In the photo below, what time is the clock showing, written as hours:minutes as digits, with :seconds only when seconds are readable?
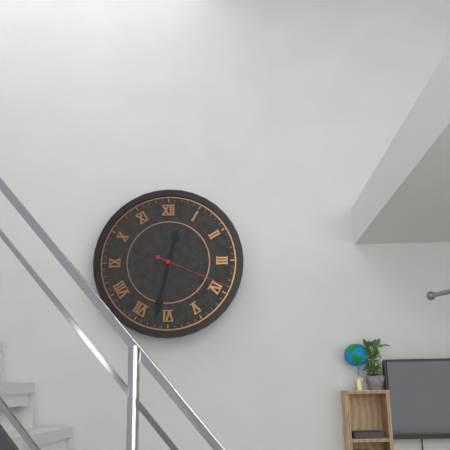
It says 12:32:19
